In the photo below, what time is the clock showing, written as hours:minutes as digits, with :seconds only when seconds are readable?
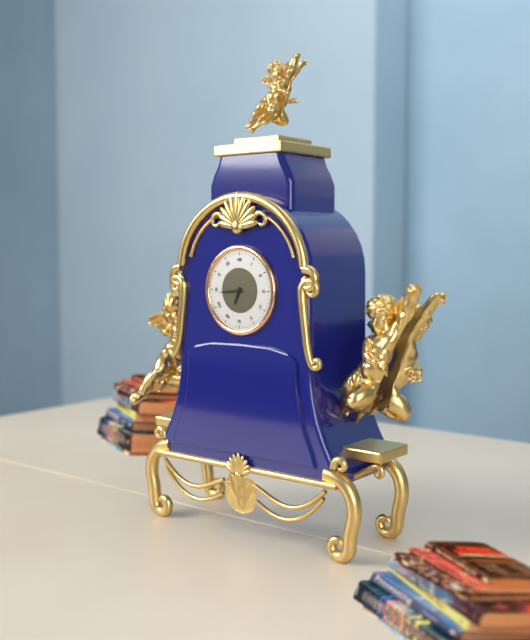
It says 6:44
